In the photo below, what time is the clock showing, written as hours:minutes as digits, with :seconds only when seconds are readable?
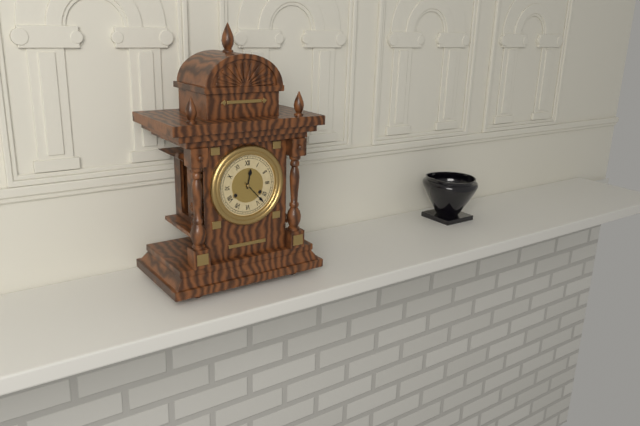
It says 12:23
